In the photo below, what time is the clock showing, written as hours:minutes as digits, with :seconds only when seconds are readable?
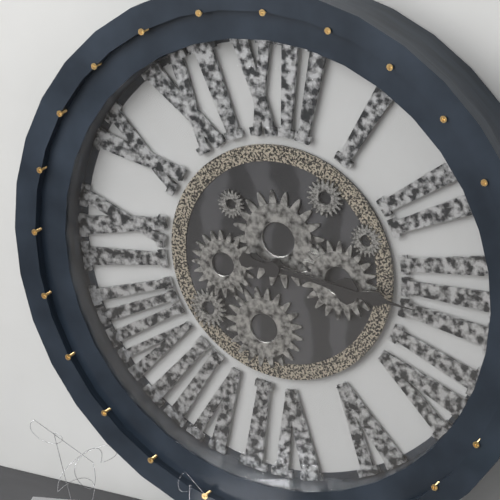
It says 3:16
